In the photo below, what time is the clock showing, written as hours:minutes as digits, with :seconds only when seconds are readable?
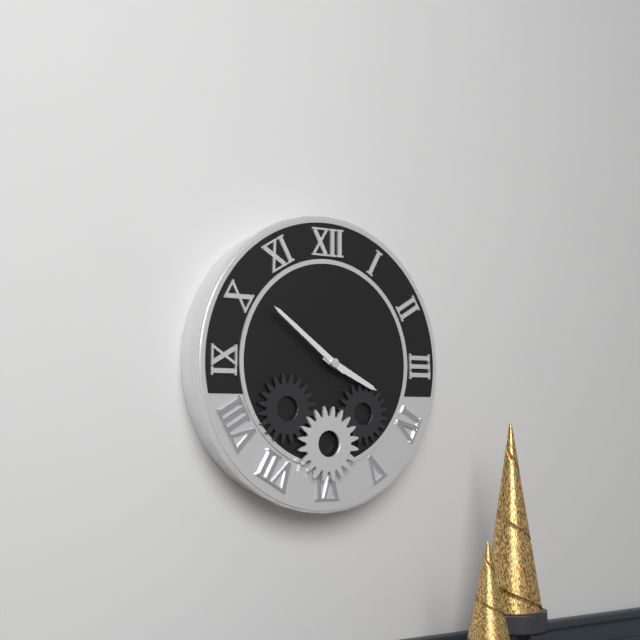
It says 3:51
